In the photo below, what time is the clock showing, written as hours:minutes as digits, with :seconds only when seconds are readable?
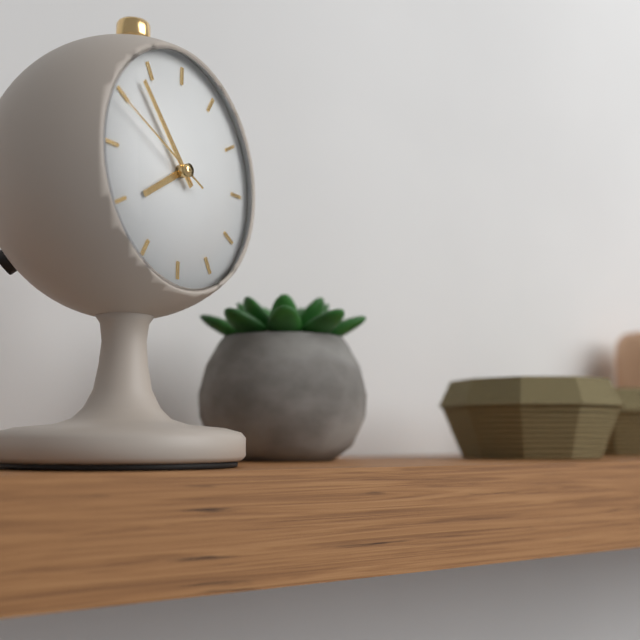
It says 7:53:49
